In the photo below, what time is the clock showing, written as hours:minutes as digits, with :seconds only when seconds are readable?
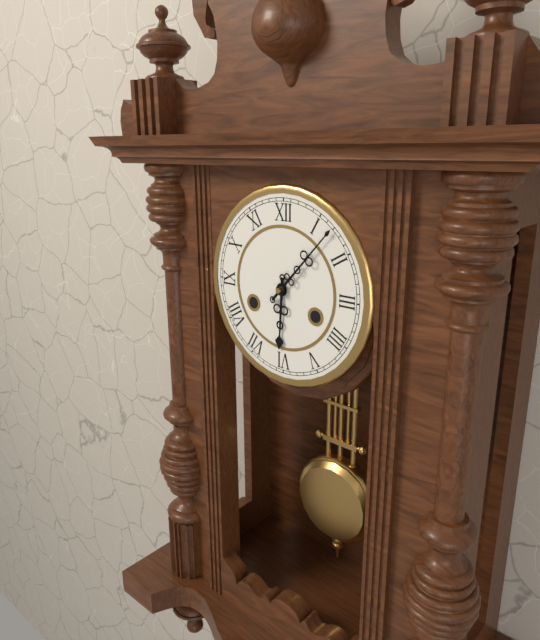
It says 6:07
